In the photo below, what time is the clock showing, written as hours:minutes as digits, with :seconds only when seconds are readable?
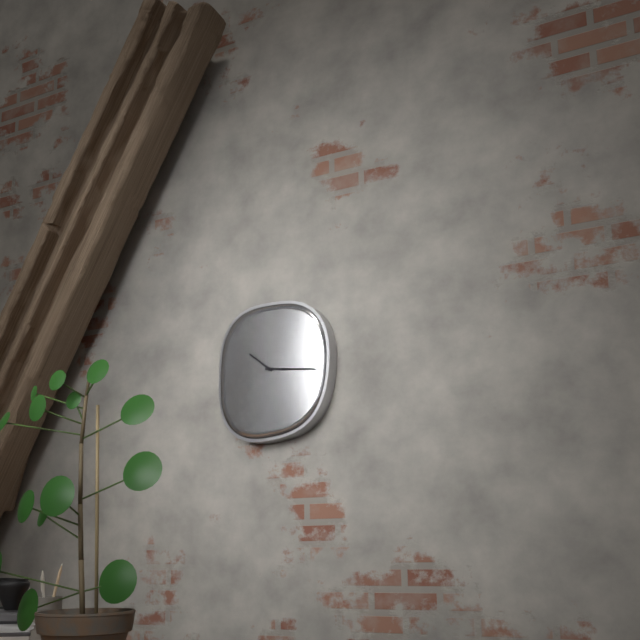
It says 10:16
